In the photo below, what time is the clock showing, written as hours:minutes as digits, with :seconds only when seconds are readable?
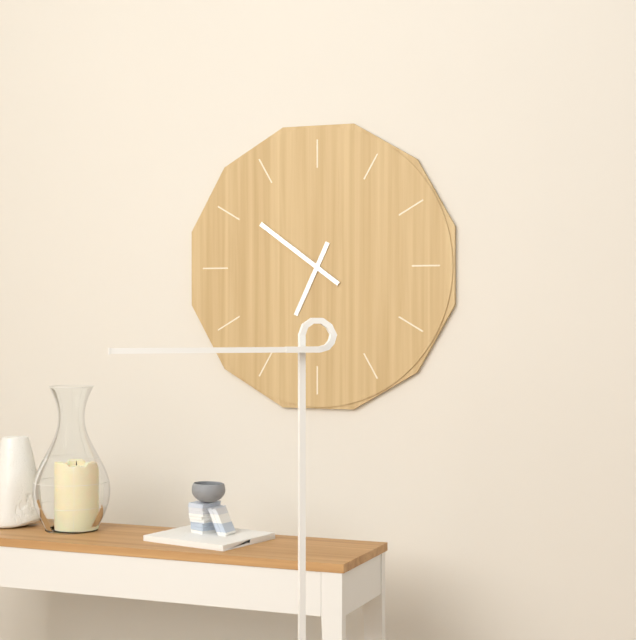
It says 6:51
